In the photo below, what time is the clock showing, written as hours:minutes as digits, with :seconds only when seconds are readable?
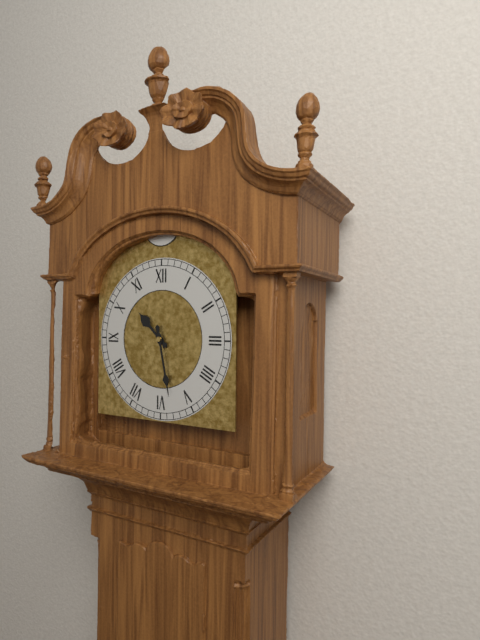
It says 10:28
